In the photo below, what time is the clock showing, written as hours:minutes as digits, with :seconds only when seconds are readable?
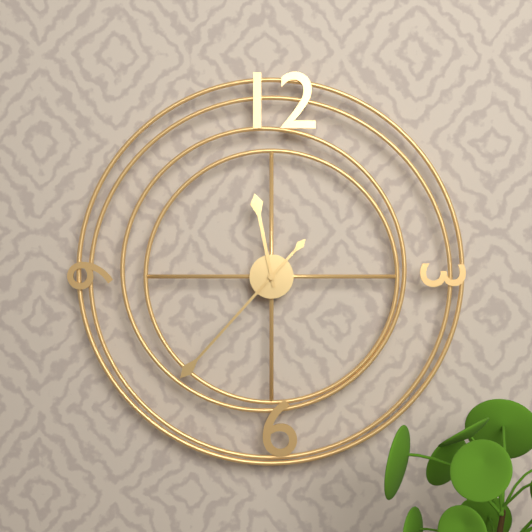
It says 11:37
